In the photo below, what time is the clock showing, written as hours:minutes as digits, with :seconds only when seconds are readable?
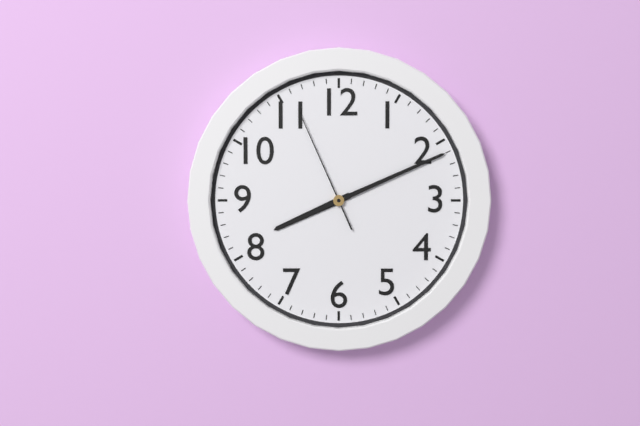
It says 8:11:56
